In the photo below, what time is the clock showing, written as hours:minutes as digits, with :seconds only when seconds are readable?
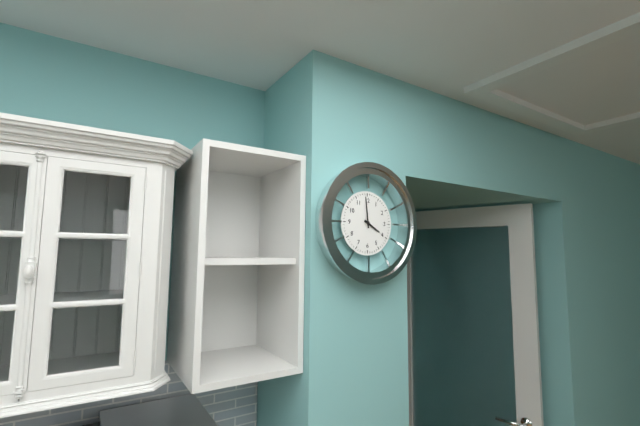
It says 3:59
